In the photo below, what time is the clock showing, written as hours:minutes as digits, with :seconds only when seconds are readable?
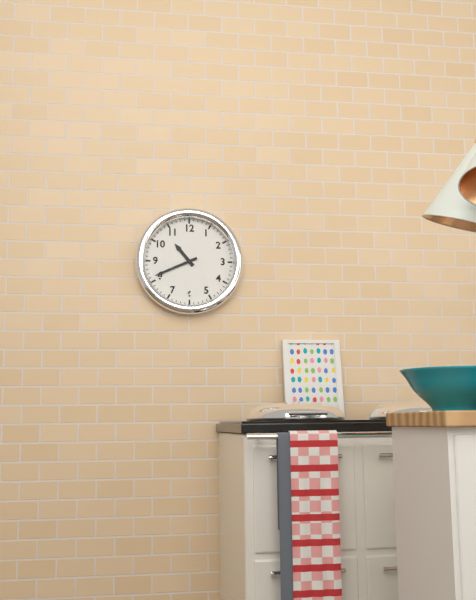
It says 10:41
